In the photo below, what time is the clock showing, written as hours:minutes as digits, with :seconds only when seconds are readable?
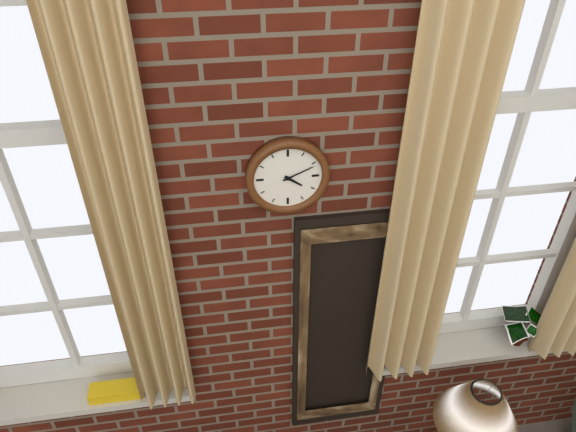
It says 4:11
